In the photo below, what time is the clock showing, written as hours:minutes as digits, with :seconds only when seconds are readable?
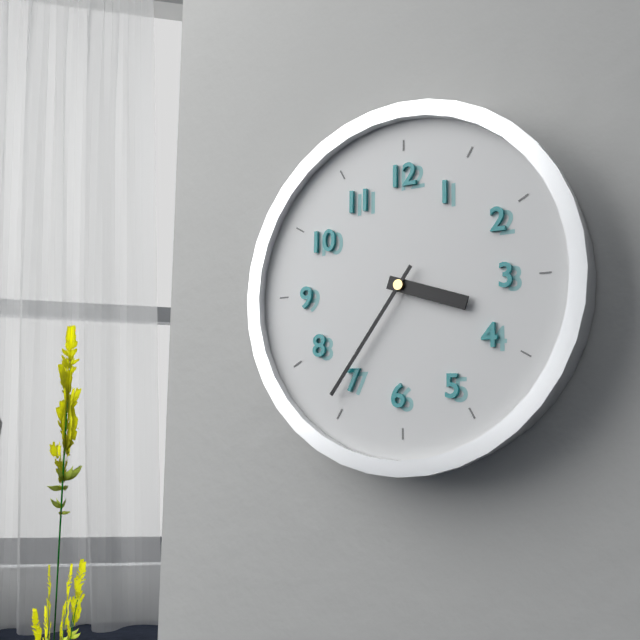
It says 3:36
